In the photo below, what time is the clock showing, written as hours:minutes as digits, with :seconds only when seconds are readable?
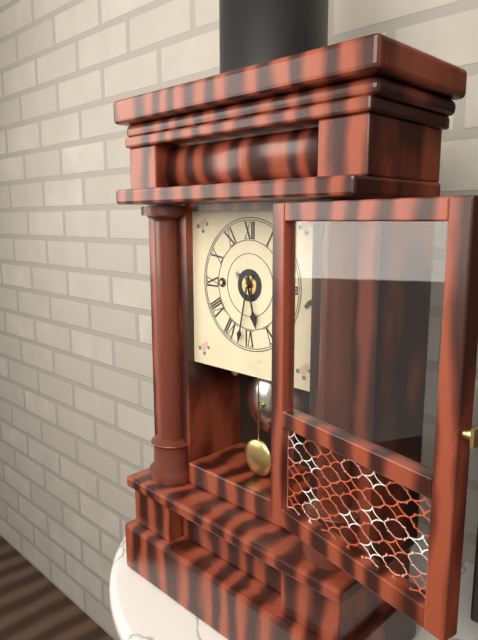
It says 5:32
